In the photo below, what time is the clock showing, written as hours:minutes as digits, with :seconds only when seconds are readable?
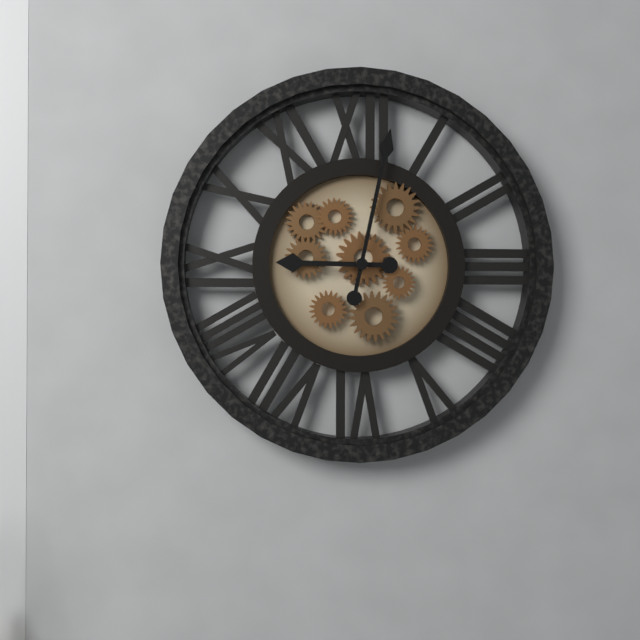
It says 9:02
